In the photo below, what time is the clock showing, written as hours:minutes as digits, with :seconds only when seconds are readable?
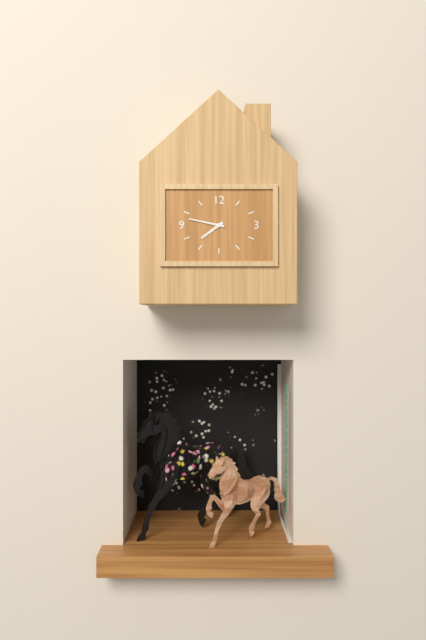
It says 7:47
